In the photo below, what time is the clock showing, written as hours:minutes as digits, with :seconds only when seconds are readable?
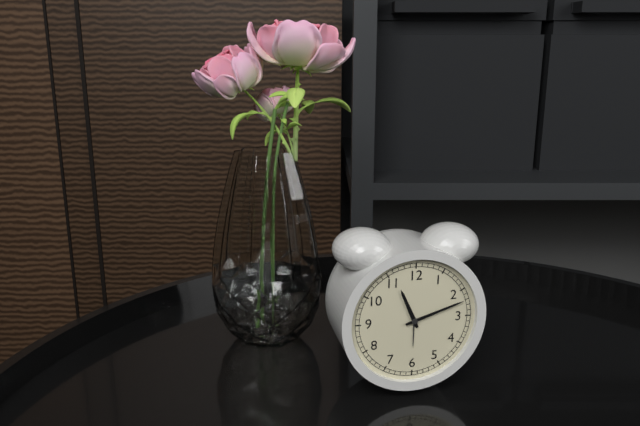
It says 11:12
